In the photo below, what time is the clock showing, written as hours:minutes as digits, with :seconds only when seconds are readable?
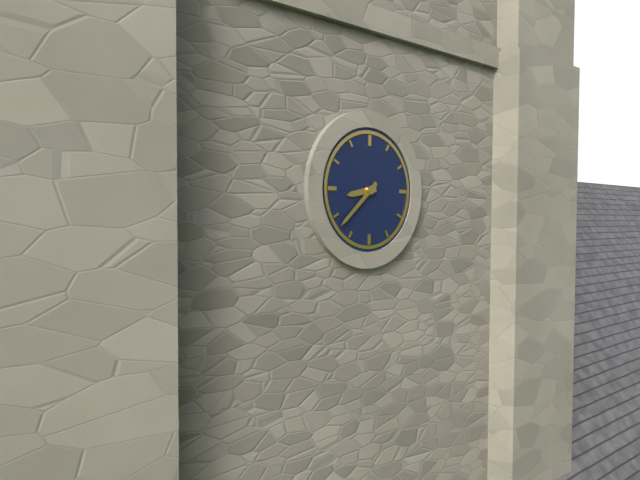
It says 8:38
